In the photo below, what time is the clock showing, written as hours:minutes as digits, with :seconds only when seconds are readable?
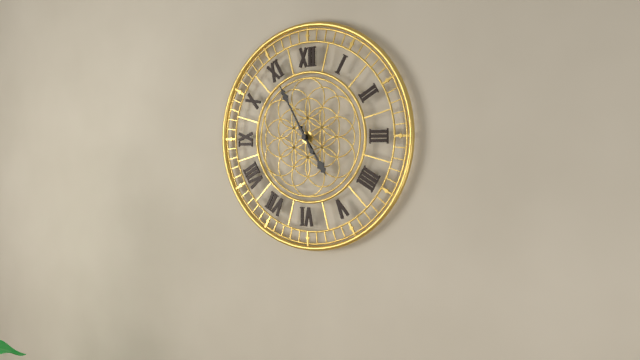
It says 4:55
